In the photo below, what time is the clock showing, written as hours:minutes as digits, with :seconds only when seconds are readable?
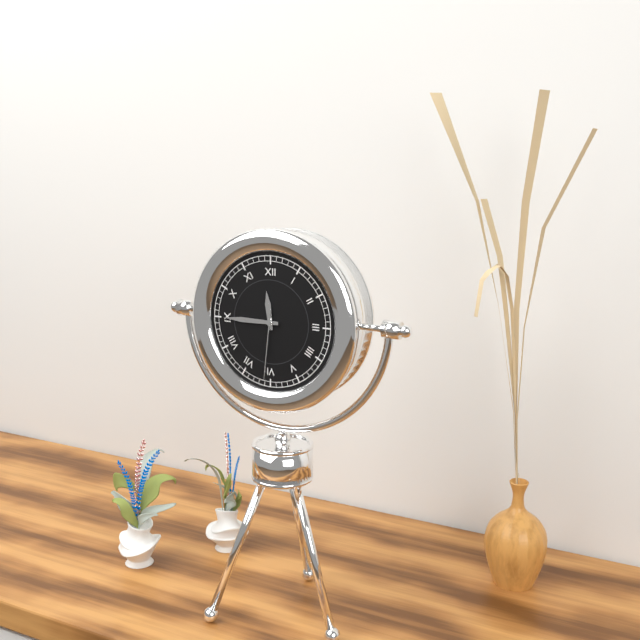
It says 11:45:31
